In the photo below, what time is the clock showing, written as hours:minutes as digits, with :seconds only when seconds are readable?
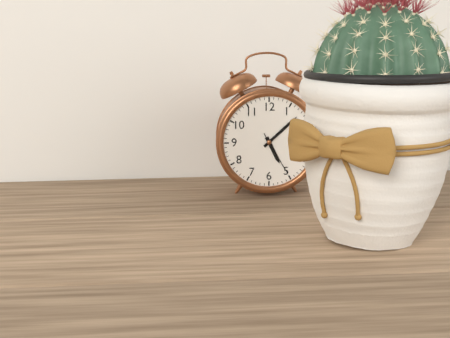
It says 5:08
